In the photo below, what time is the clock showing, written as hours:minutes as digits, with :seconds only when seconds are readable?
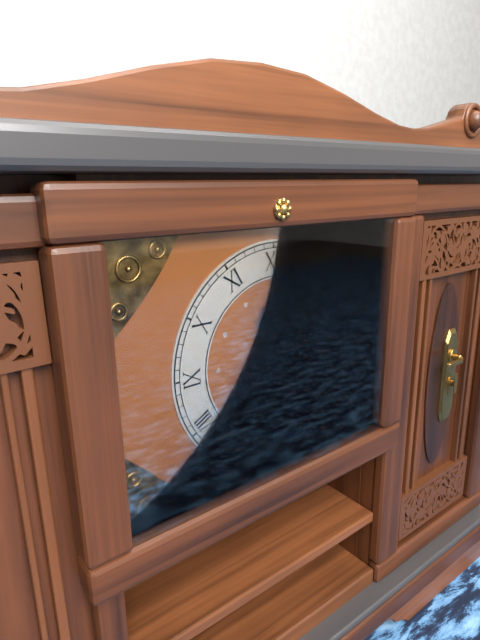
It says 11:28:00
